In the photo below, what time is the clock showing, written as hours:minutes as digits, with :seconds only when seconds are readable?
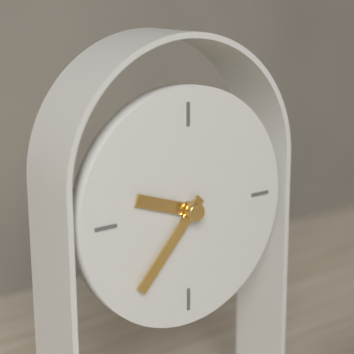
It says 9:37
